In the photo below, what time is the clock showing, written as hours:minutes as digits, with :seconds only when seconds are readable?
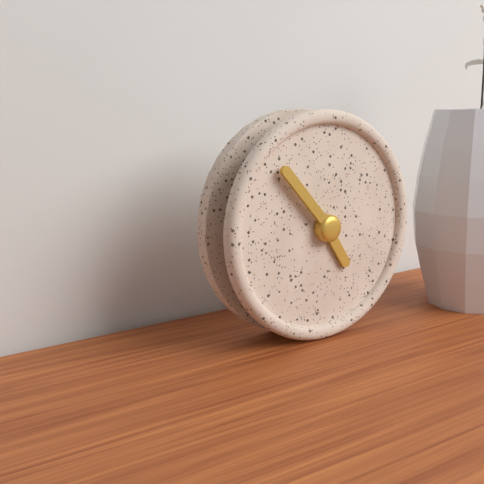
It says 4:53
